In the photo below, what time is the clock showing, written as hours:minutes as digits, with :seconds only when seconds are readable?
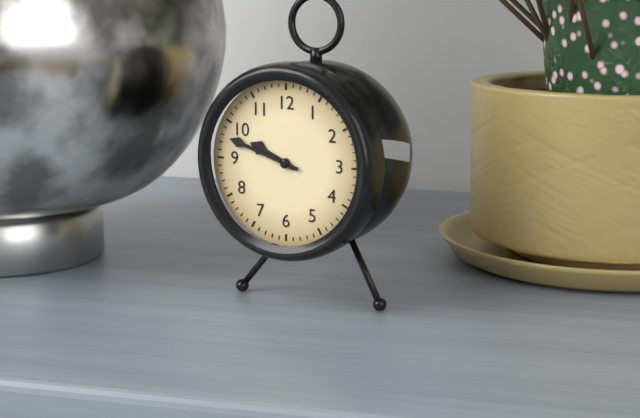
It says 9:48
